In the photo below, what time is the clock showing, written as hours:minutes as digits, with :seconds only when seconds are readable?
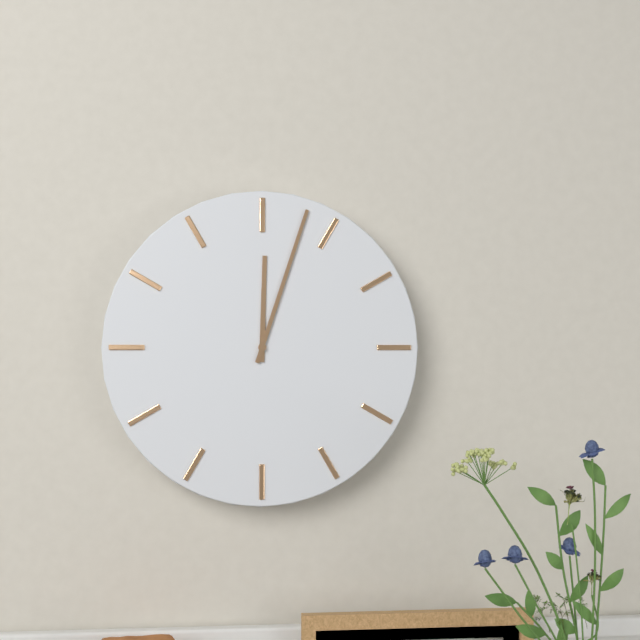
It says 12:03
